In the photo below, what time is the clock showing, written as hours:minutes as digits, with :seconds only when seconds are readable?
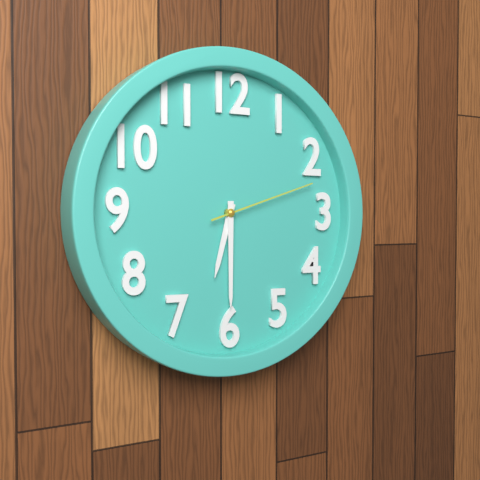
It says 6:30:12
